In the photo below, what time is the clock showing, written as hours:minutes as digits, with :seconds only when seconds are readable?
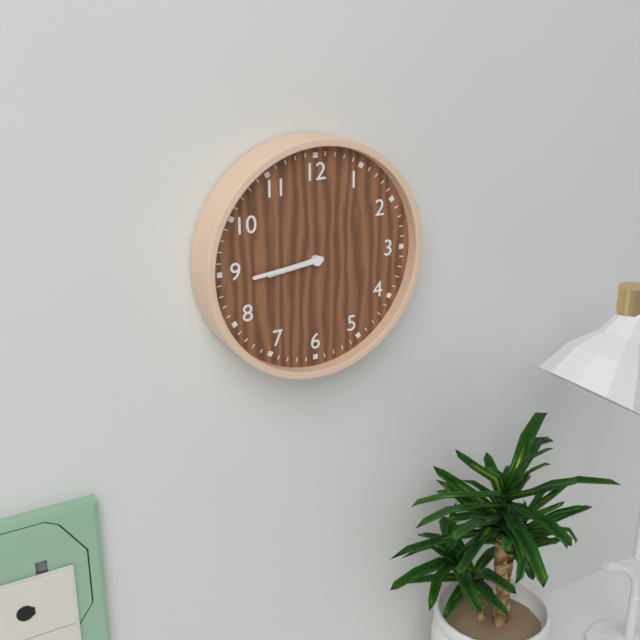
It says 8:44
